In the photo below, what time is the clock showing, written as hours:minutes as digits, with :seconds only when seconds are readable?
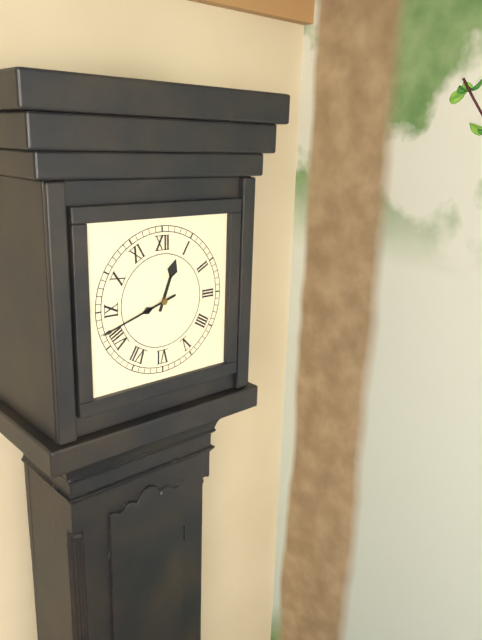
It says 12:42
